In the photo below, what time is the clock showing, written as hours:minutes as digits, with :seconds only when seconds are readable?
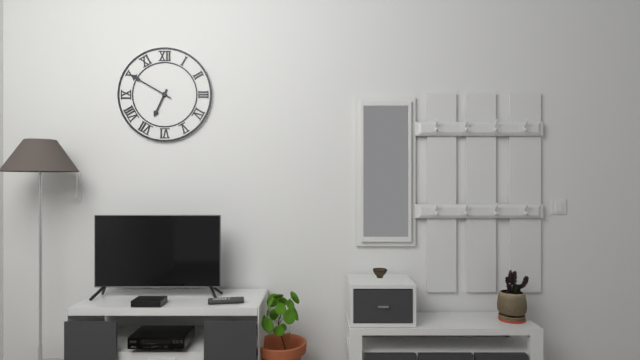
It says 6:50
